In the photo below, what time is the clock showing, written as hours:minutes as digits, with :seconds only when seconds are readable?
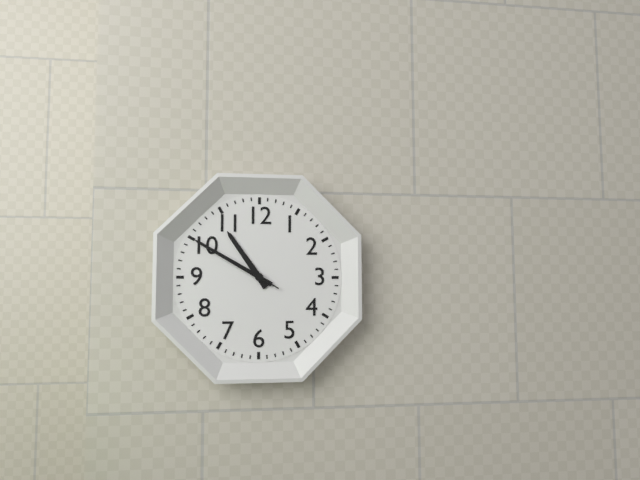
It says 10:50:50
